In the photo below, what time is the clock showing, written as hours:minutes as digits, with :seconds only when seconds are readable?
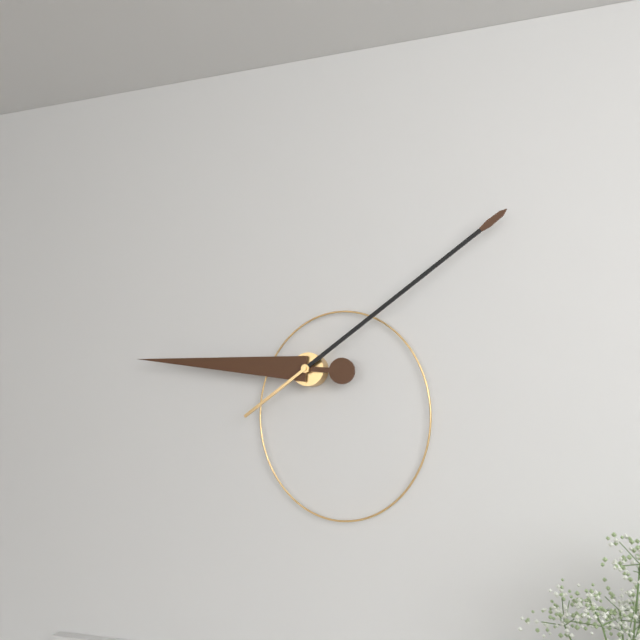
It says 9:09
